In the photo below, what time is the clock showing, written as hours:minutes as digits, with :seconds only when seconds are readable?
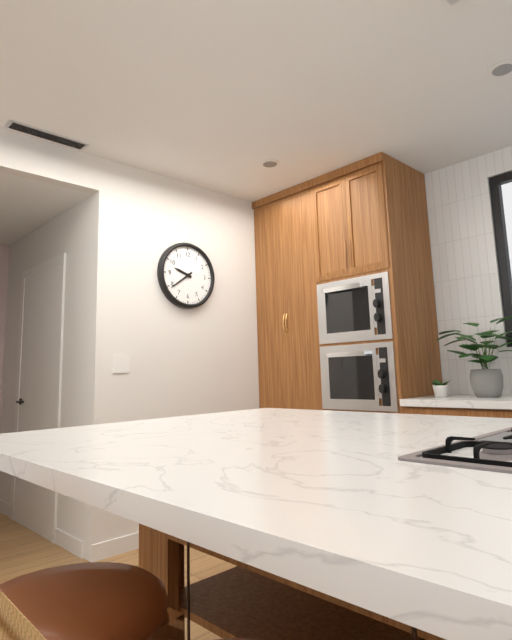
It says 9:39
